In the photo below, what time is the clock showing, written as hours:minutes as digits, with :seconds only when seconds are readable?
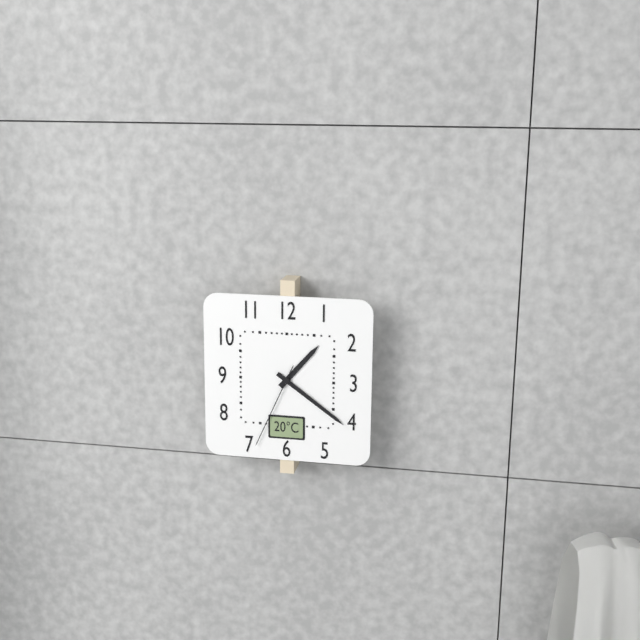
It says 1:21:34
